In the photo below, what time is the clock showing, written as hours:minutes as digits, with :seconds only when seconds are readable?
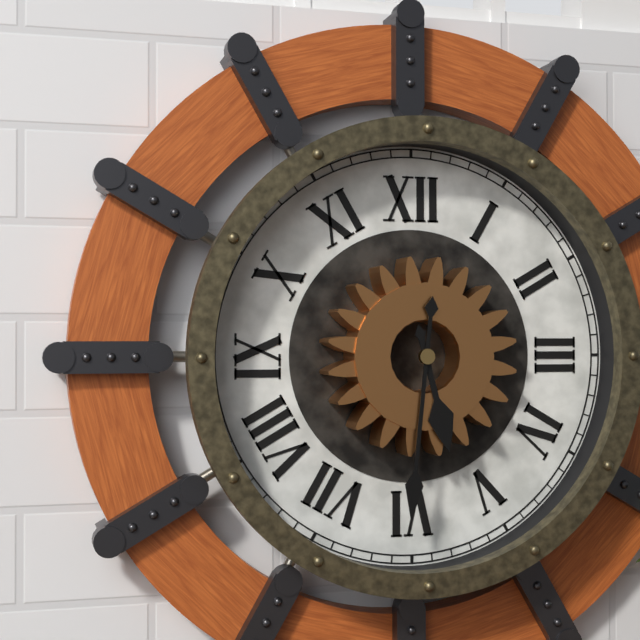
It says 5:31
